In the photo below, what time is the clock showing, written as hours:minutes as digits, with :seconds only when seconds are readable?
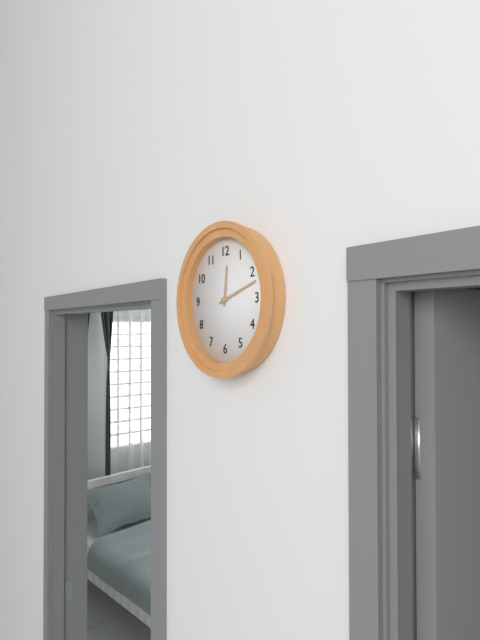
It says 12:12
